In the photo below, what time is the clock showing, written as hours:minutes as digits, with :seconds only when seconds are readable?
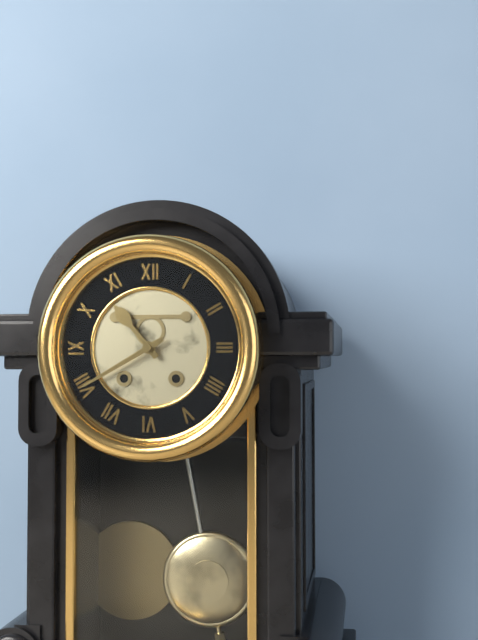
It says 10:40
